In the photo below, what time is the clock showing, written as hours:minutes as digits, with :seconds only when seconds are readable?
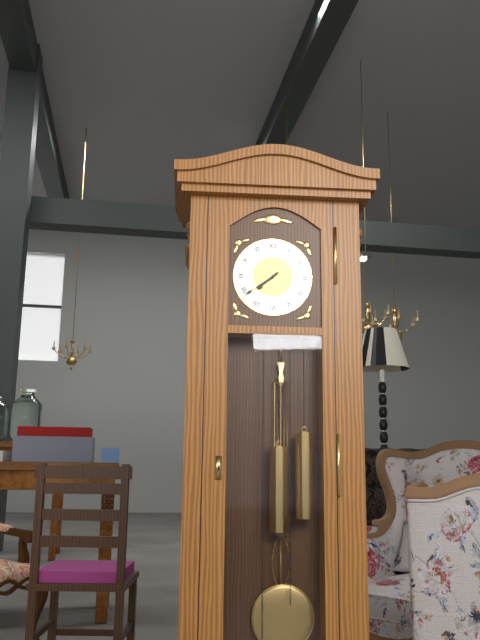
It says 7:39
